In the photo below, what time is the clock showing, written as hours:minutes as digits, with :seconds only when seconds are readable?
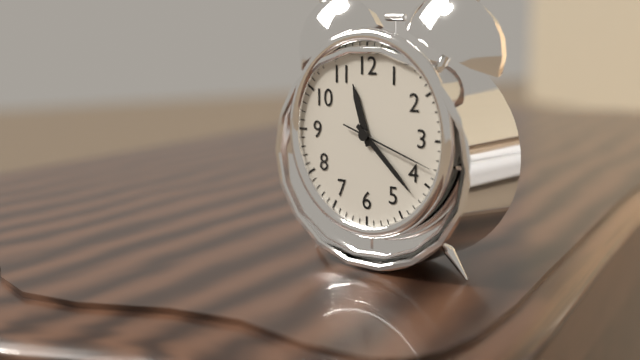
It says 11:22:18
